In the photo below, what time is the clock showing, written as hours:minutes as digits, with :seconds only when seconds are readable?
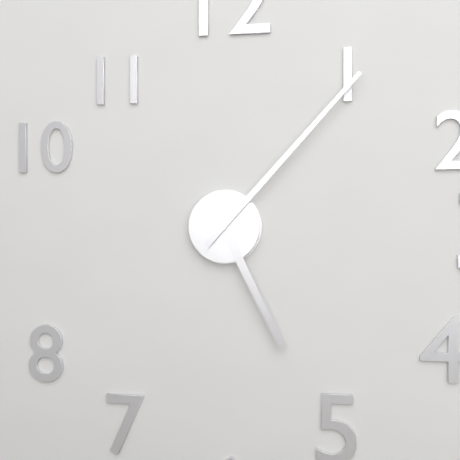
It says 5:07
